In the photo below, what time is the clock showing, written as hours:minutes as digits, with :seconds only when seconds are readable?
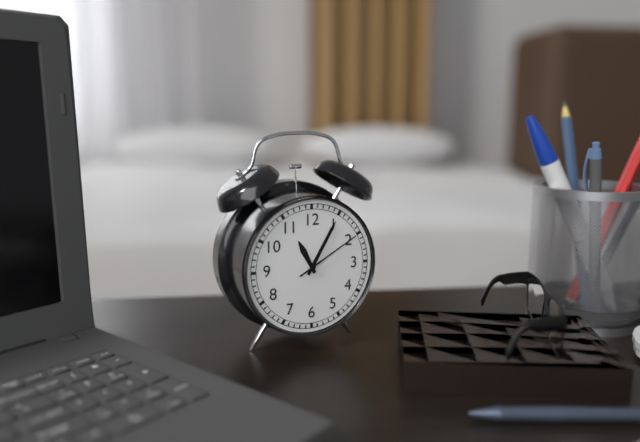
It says 11:05:10
